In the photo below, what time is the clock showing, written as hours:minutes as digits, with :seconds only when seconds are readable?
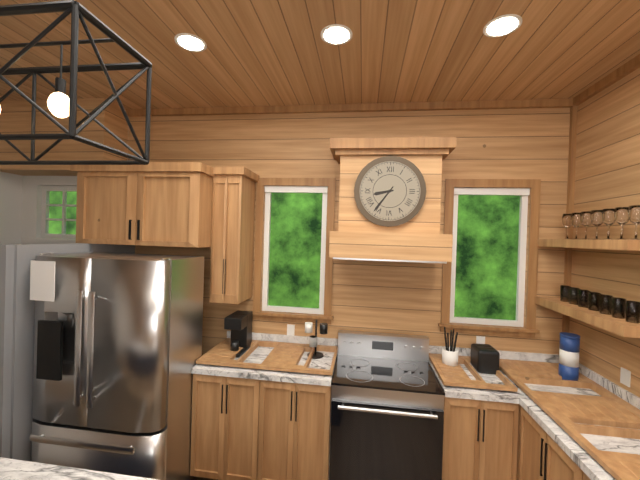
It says 8:36
